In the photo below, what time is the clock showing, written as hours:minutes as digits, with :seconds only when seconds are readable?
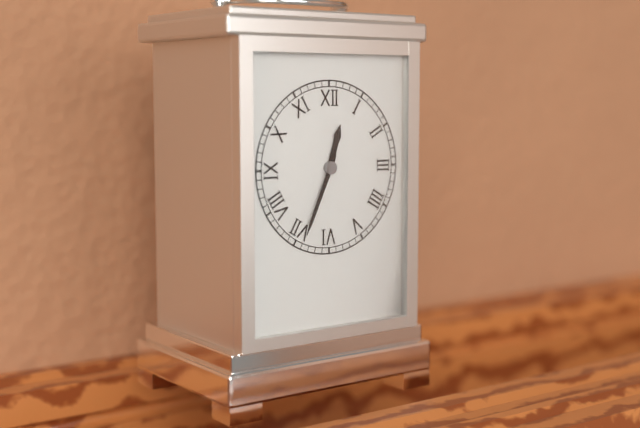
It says 12:34
